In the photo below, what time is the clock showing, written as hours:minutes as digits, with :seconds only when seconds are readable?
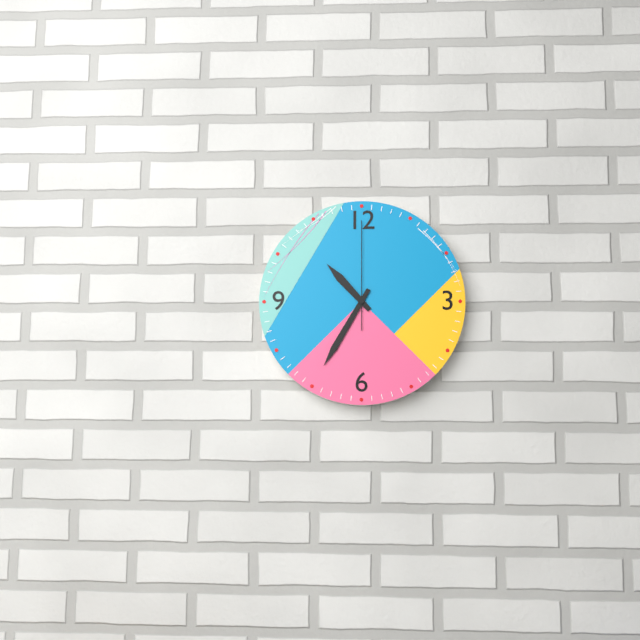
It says 10:35:00
